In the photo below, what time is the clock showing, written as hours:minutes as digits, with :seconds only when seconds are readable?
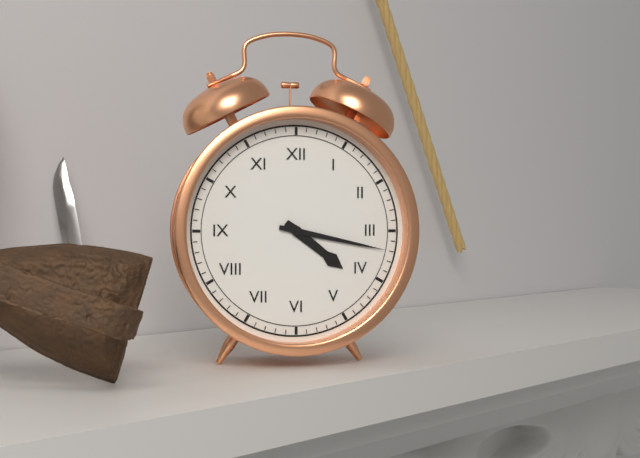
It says 4:17
